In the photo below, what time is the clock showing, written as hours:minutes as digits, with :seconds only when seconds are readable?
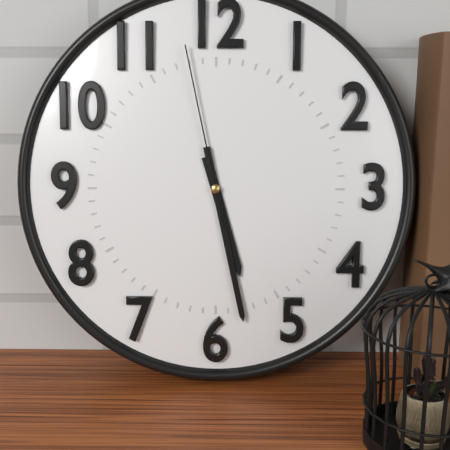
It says 5:28:58
